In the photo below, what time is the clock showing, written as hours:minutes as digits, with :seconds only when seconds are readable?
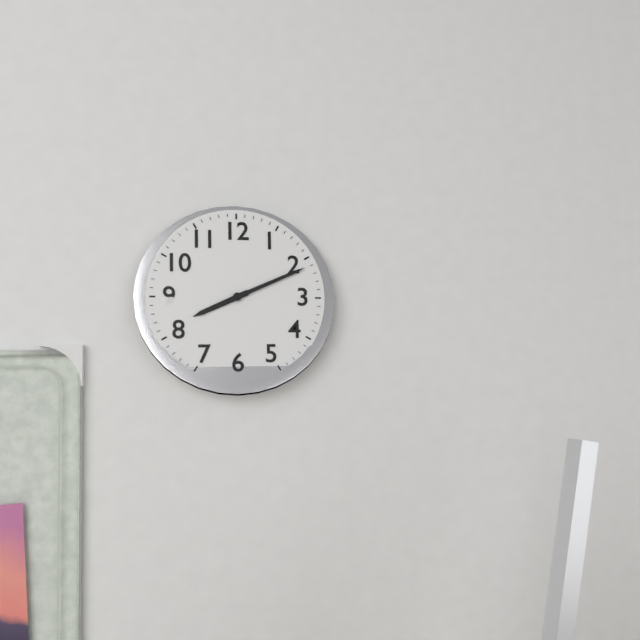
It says 8:11
